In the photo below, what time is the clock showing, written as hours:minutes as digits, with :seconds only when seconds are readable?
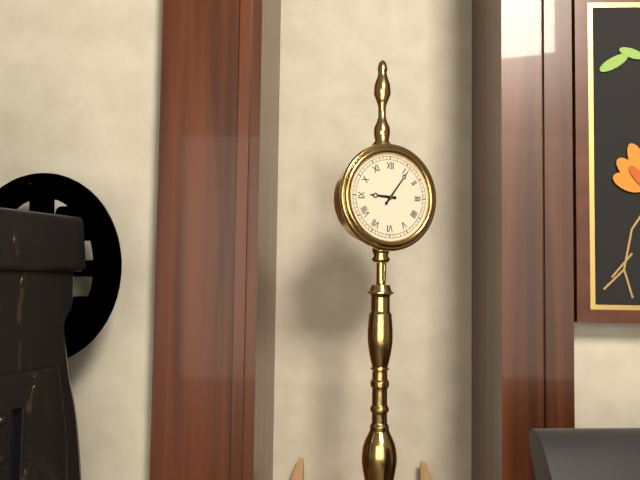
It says 9:06
